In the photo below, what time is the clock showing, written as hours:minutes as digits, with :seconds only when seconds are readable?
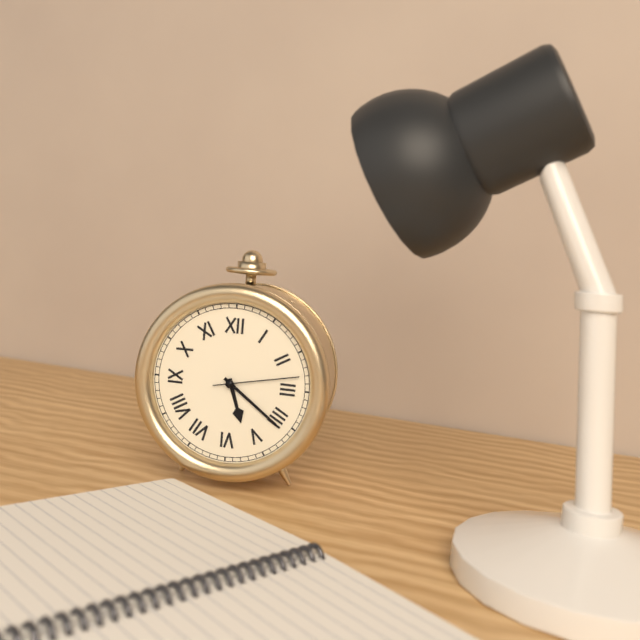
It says 5:21:13
